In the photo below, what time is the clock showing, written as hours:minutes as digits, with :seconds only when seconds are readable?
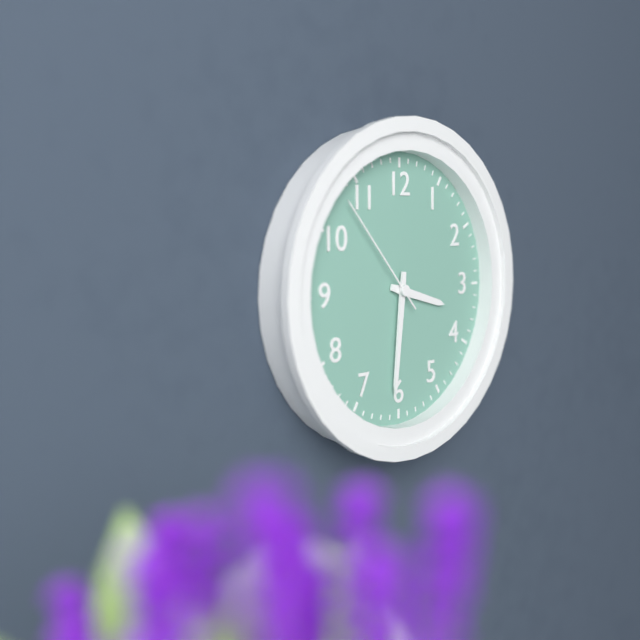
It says 3:31:53
